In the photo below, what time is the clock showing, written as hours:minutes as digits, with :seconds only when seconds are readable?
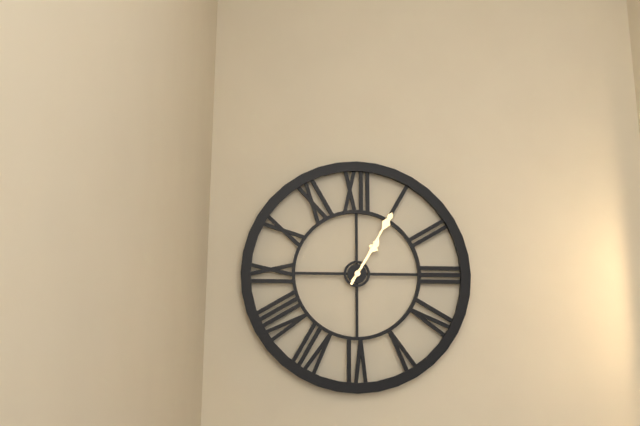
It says 1:05
